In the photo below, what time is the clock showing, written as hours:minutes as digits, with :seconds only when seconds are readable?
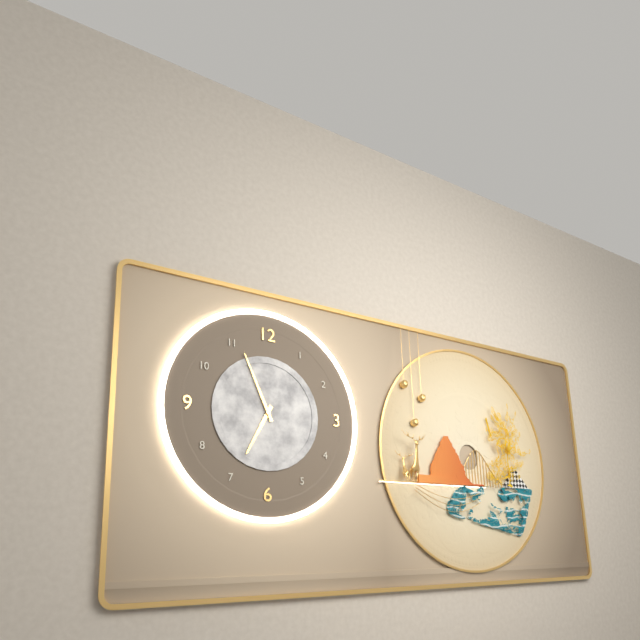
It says 6:56
